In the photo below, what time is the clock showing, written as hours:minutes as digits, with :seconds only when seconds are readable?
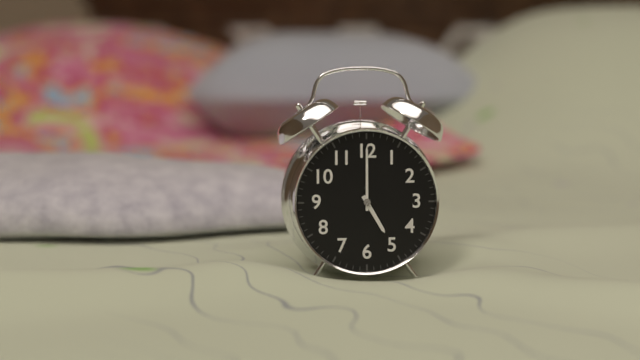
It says 5:00
